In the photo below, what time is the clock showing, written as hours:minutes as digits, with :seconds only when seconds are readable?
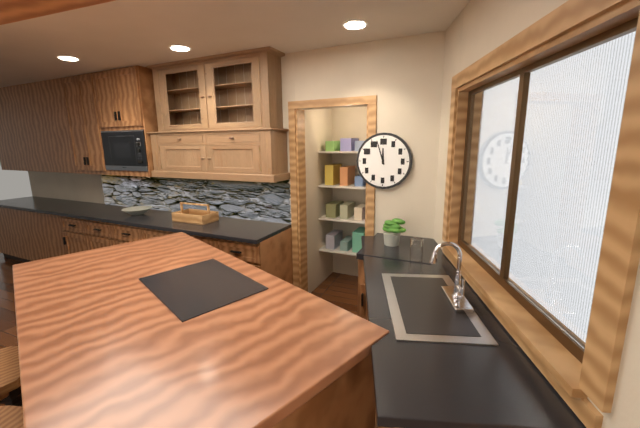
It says 11:57
